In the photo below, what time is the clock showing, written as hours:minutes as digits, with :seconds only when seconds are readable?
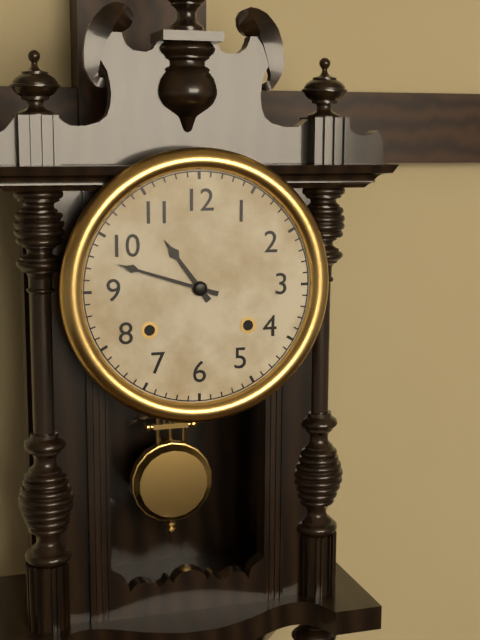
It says 10:48
